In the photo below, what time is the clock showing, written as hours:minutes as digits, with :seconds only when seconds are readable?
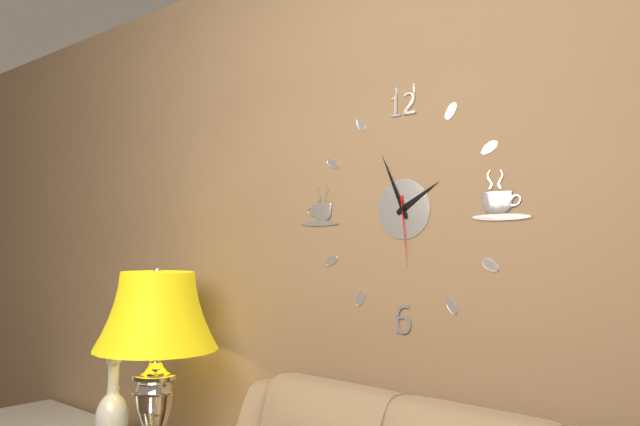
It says 1:56:29
